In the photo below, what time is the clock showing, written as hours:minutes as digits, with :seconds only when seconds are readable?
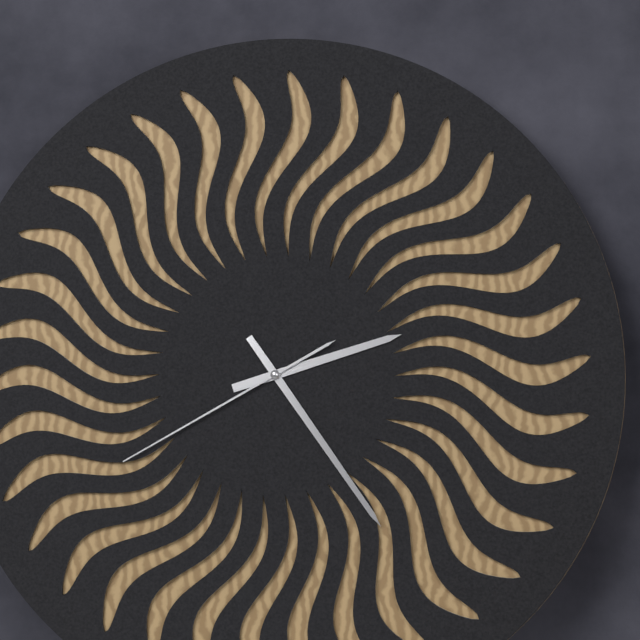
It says 2:24:40
